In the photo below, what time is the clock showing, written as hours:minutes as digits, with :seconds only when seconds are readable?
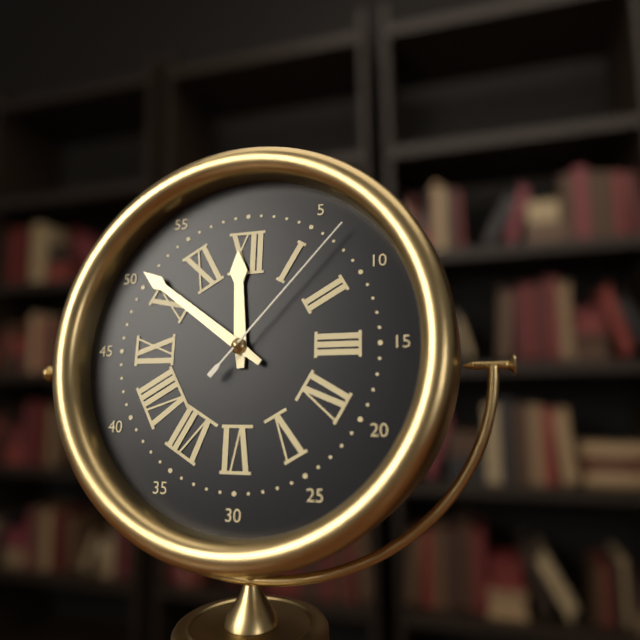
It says 11:51:07
